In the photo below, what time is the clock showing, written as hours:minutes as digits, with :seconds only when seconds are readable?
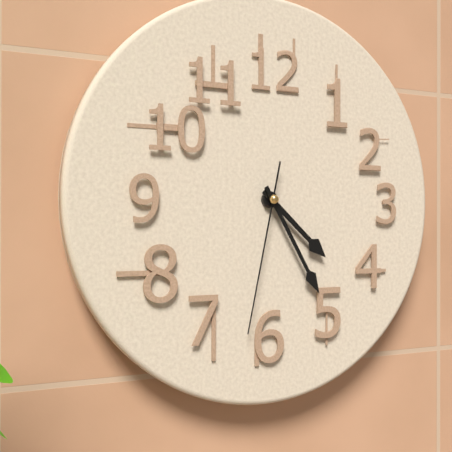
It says 4:25:32
